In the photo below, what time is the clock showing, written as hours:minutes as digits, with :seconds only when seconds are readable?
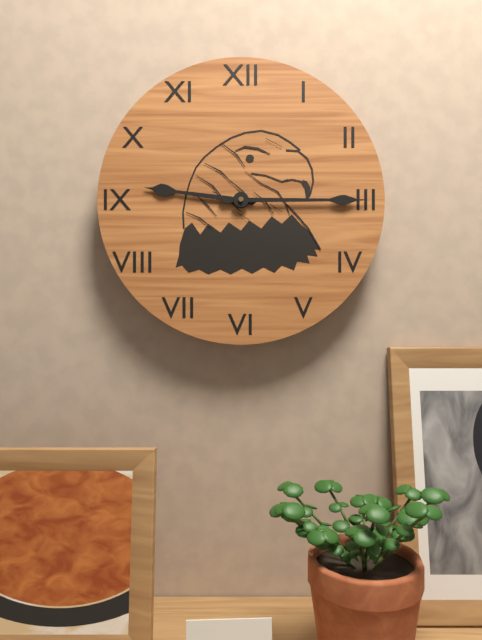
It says 9:15
